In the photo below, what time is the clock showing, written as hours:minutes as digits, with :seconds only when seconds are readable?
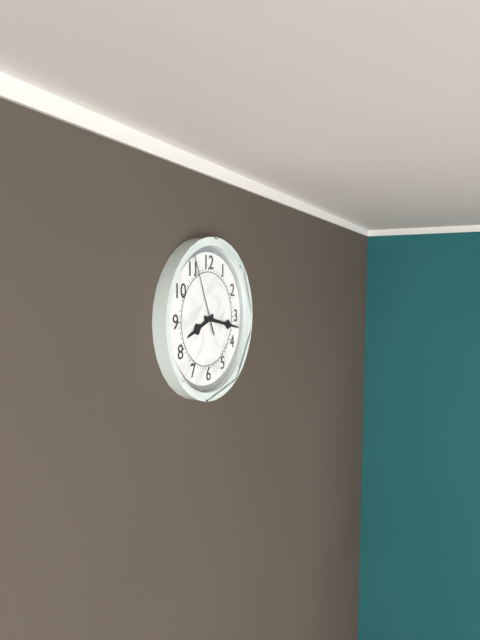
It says 8:17:56
